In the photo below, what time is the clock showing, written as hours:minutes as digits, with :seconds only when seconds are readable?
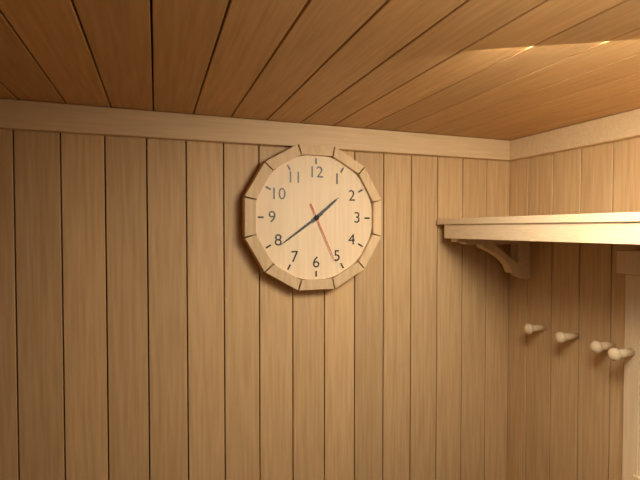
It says 1:39:26
